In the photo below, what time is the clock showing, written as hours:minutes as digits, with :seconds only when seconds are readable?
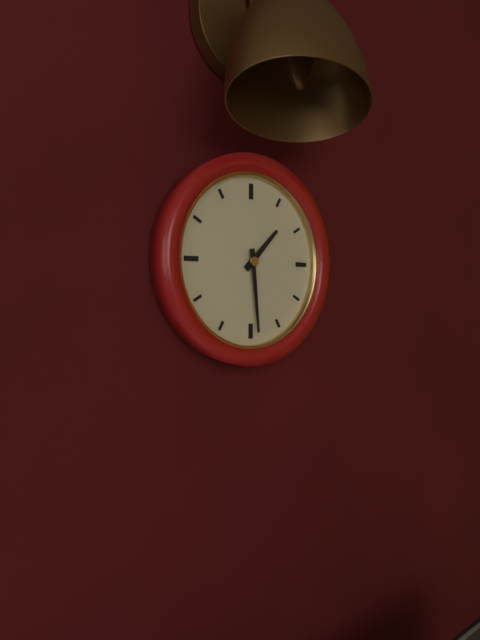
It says 1:29
